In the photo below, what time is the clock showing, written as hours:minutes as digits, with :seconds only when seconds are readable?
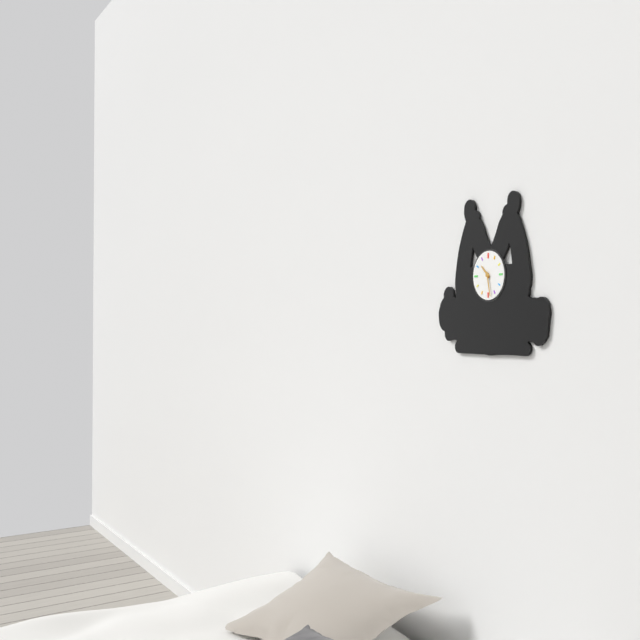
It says 10:28
